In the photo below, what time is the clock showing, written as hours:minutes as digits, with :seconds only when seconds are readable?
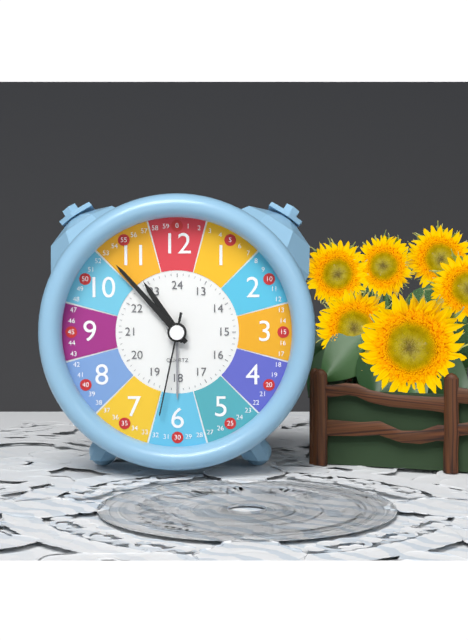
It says 10:53:32
